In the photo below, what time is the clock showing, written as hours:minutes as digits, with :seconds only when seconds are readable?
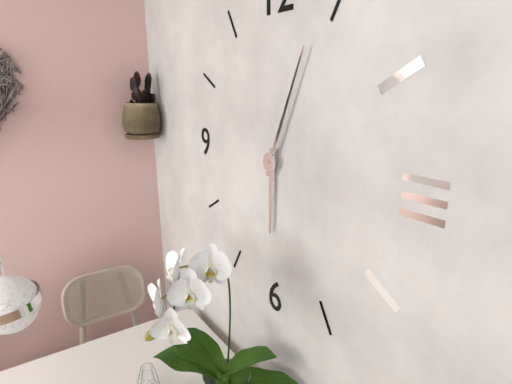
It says 6:04
